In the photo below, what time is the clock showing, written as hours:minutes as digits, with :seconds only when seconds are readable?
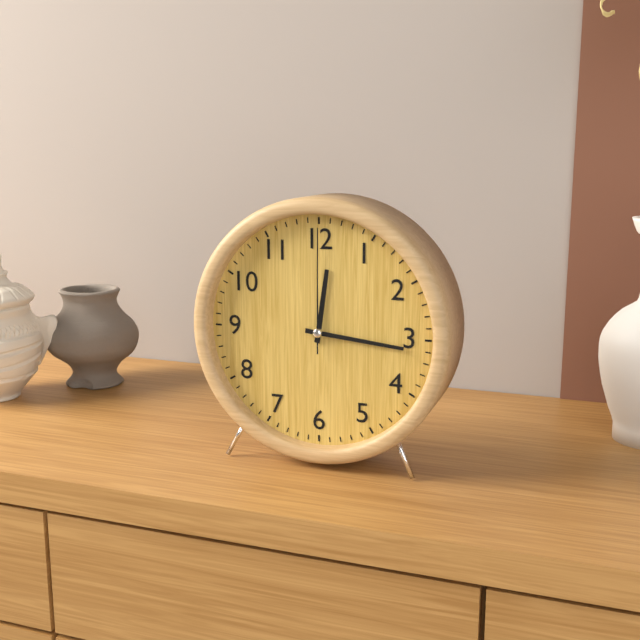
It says 12:16:00
